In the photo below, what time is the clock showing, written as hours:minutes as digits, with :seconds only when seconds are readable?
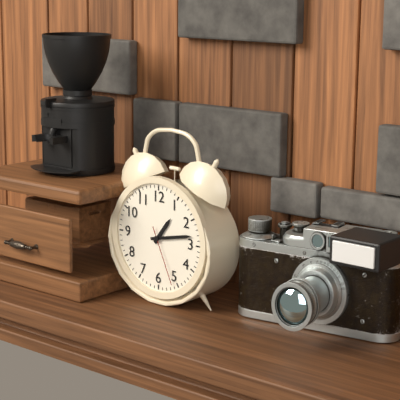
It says 1:13:26
